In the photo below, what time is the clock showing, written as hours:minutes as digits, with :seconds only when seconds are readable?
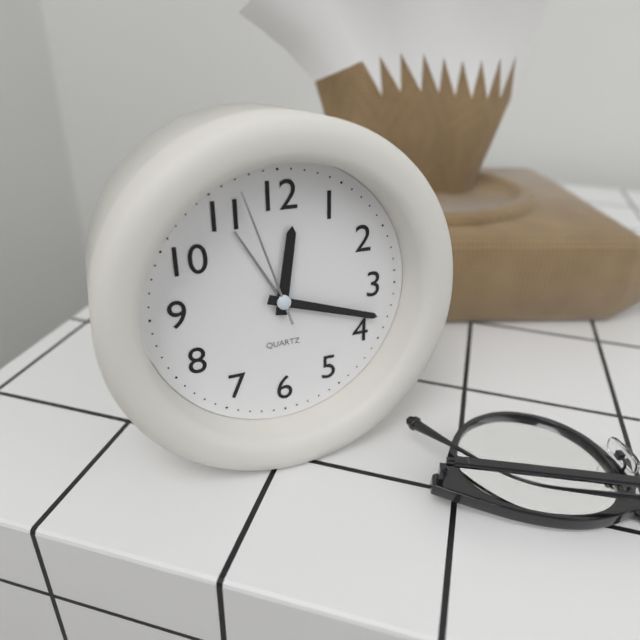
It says 12:18:57
